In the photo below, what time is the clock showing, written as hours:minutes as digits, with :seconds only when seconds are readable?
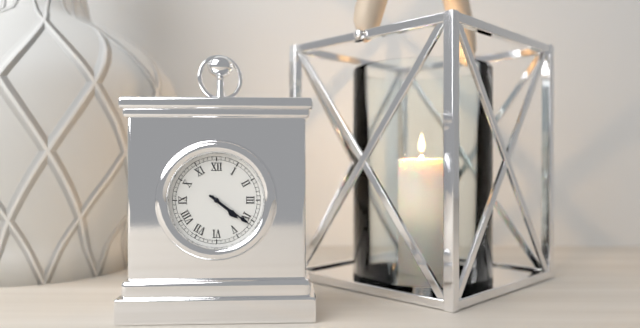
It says 4:21
